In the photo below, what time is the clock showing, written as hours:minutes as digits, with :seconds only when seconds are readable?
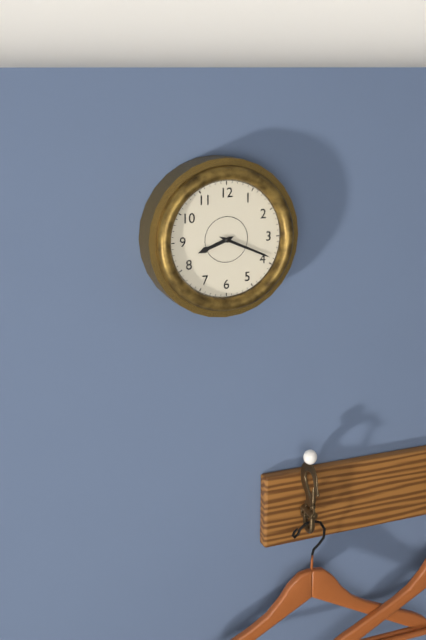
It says 8:19
